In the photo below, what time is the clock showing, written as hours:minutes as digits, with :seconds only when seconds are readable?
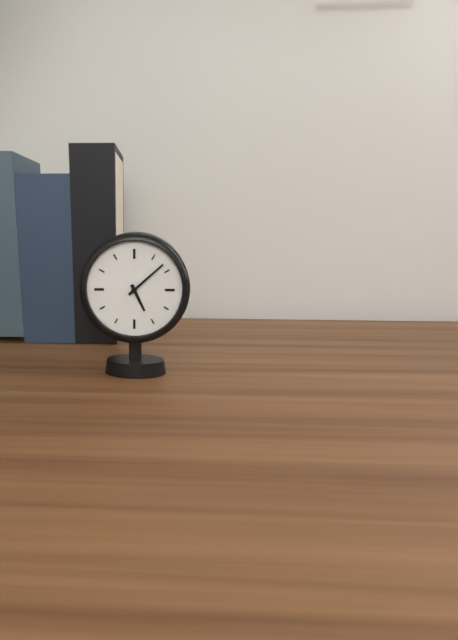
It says 5:08
